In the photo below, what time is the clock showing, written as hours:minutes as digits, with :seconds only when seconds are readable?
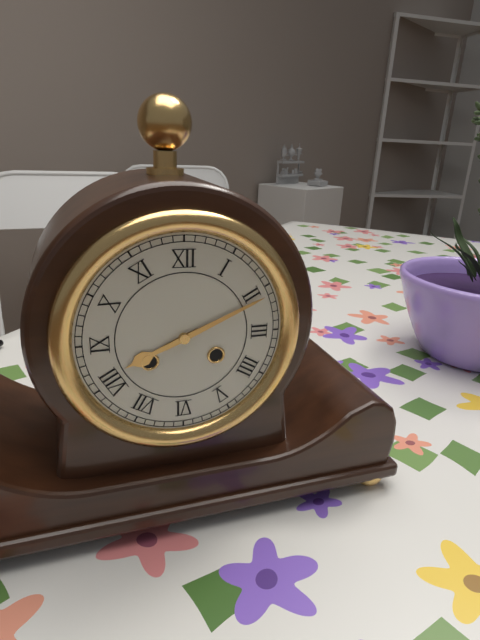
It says 8:11
